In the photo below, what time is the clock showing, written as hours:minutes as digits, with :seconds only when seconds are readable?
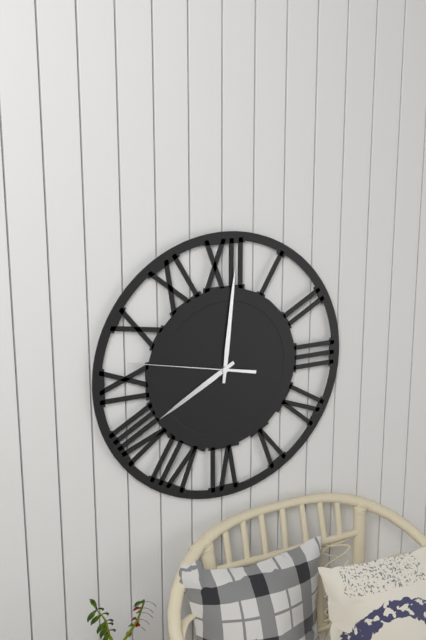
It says 8:01:47
